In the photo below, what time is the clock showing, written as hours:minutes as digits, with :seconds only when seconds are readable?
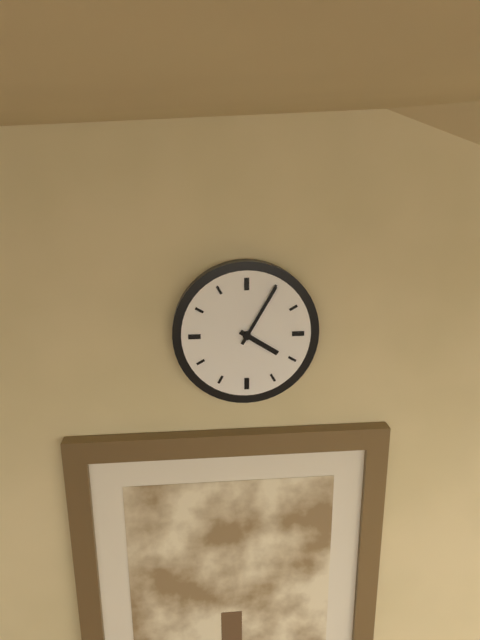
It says 4:05
